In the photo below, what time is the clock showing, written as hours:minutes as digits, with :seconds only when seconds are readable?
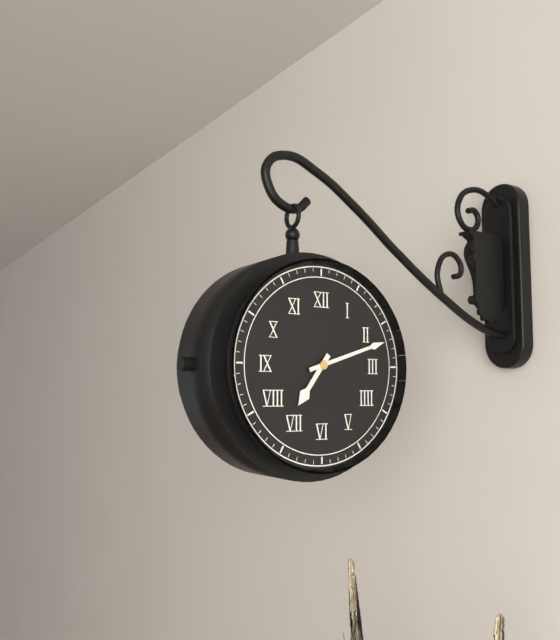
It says 7:12
